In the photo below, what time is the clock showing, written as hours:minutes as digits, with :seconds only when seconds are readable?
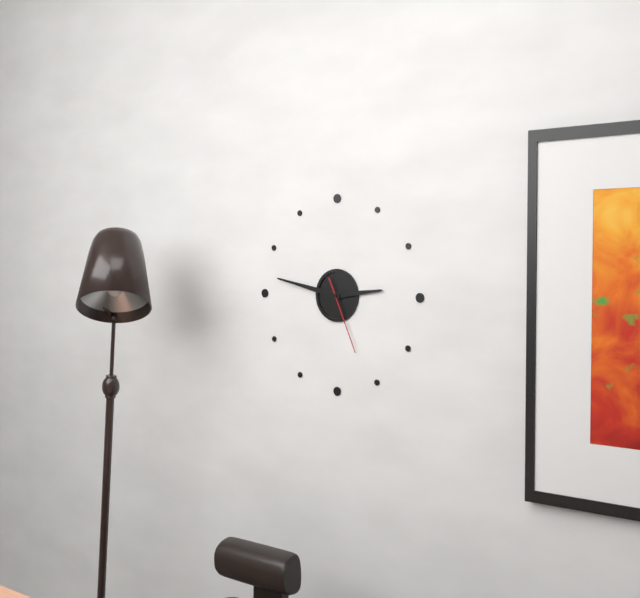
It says 2:47:26
